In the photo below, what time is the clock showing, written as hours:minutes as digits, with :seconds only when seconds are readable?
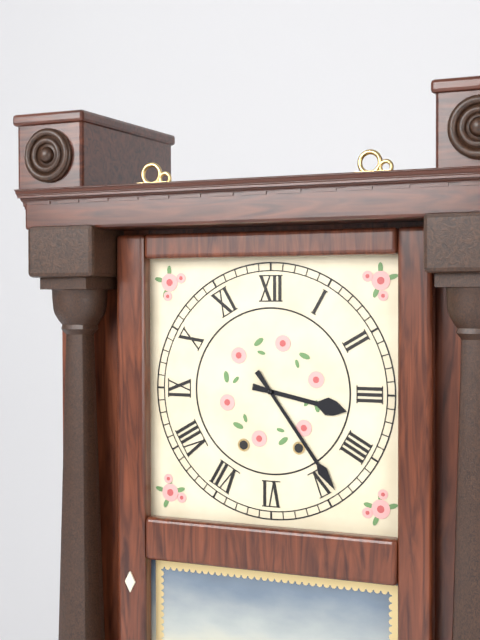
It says 3:24
